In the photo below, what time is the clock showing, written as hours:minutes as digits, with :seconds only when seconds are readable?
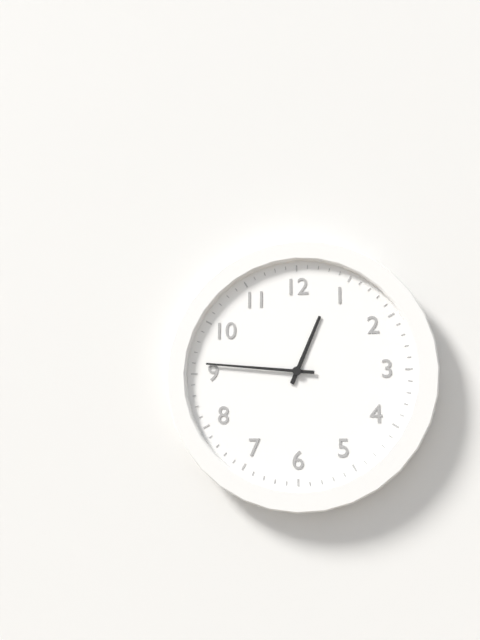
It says 12:46
